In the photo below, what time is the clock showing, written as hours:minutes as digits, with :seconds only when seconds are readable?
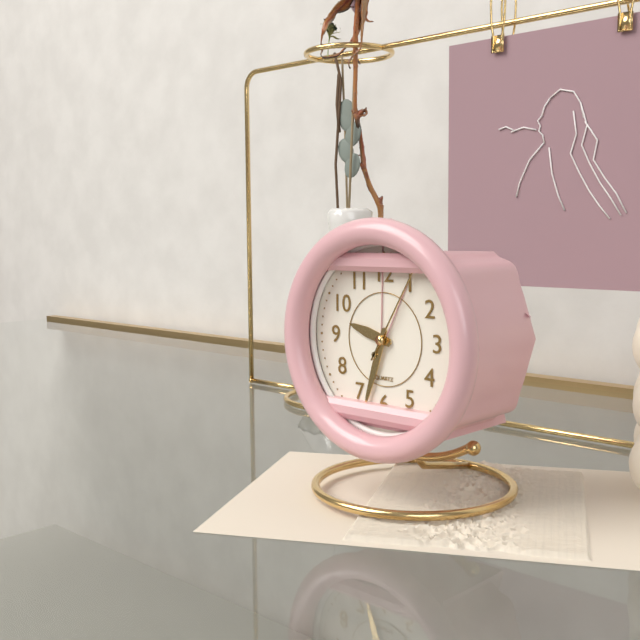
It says 9:33:05
